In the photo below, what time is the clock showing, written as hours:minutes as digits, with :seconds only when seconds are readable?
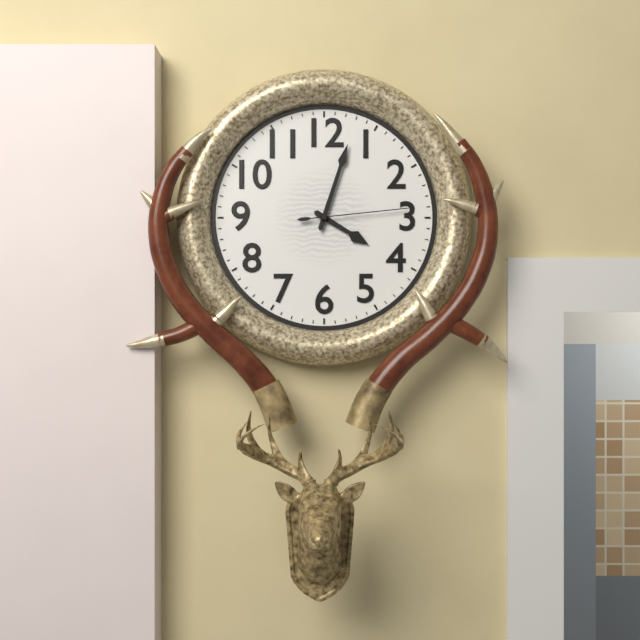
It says 4:03:14
